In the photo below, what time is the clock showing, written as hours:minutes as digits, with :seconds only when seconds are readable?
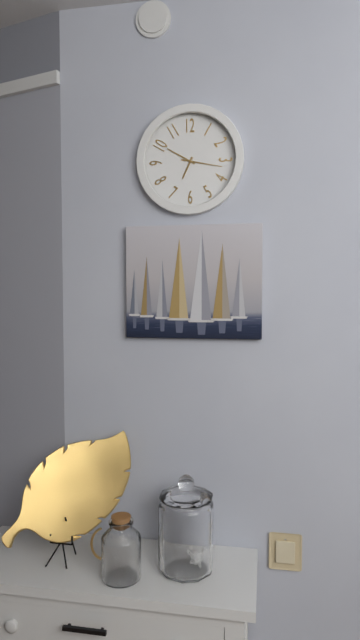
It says 6:50
